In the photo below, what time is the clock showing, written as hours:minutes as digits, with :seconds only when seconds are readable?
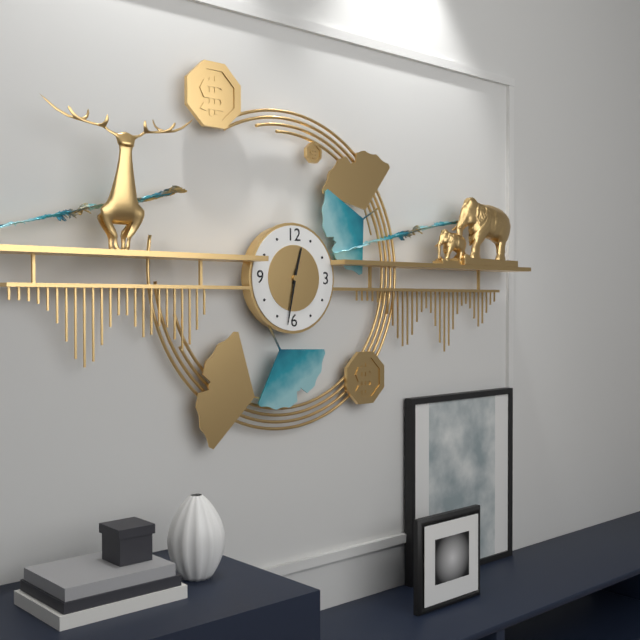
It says 12:32
